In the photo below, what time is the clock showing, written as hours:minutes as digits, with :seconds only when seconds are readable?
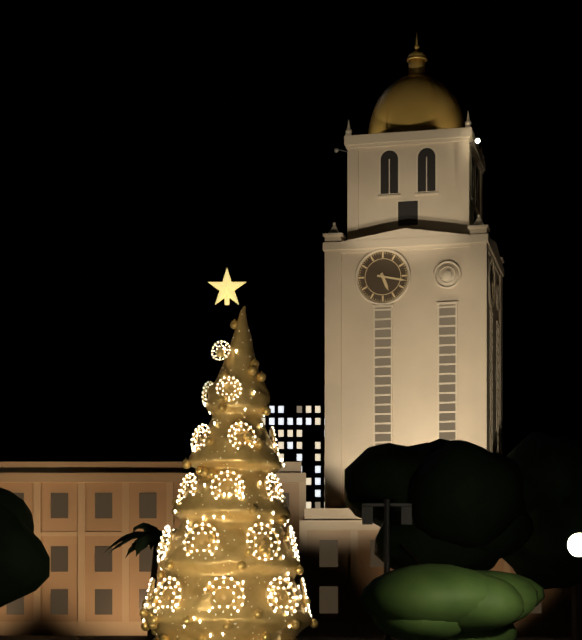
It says 5:17
